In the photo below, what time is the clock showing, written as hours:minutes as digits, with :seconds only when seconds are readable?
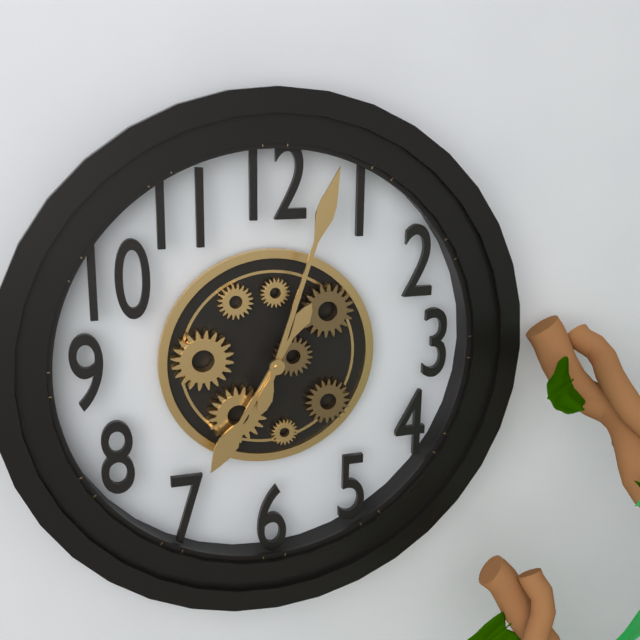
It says 7:03
